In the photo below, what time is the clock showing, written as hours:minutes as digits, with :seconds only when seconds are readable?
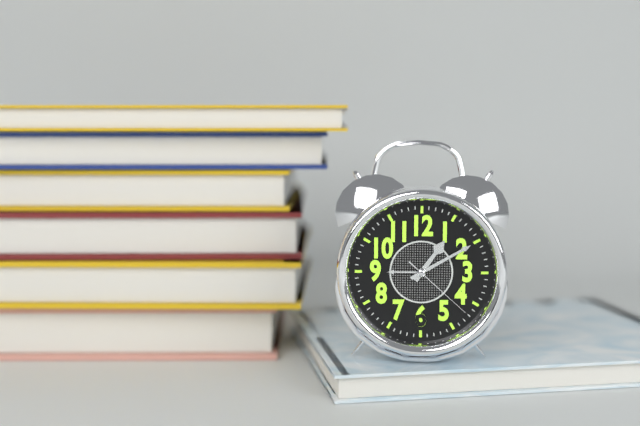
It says 1:10:22
